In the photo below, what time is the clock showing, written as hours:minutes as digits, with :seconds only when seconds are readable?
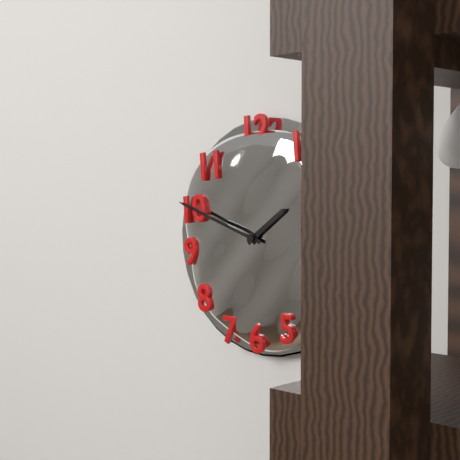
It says 1:48
